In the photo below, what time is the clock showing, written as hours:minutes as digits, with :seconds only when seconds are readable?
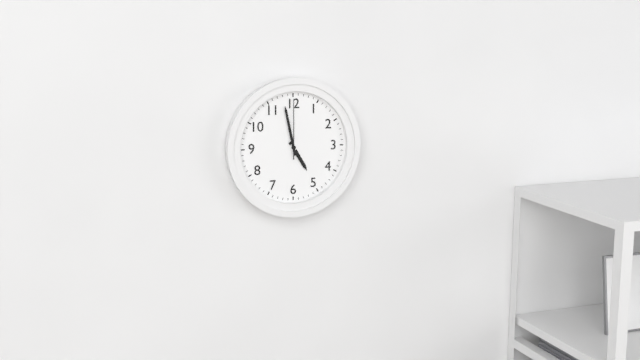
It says 4:58:00
